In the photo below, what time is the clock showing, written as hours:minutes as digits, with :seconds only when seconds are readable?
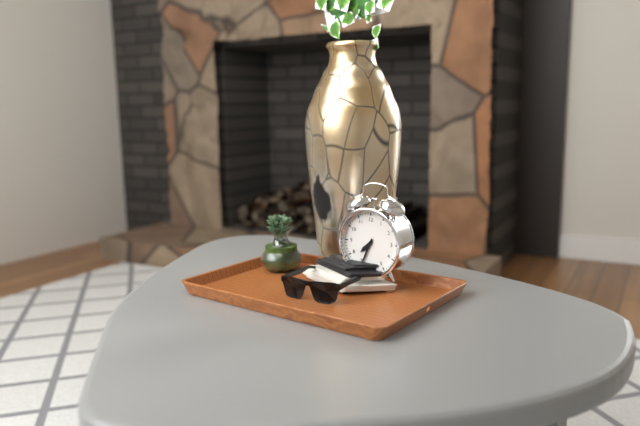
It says 7:34
